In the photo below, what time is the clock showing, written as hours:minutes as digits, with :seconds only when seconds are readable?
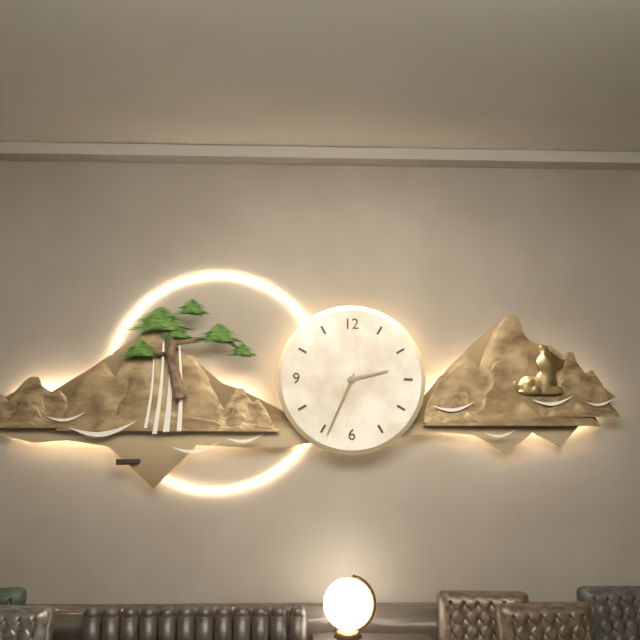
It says 2:34
